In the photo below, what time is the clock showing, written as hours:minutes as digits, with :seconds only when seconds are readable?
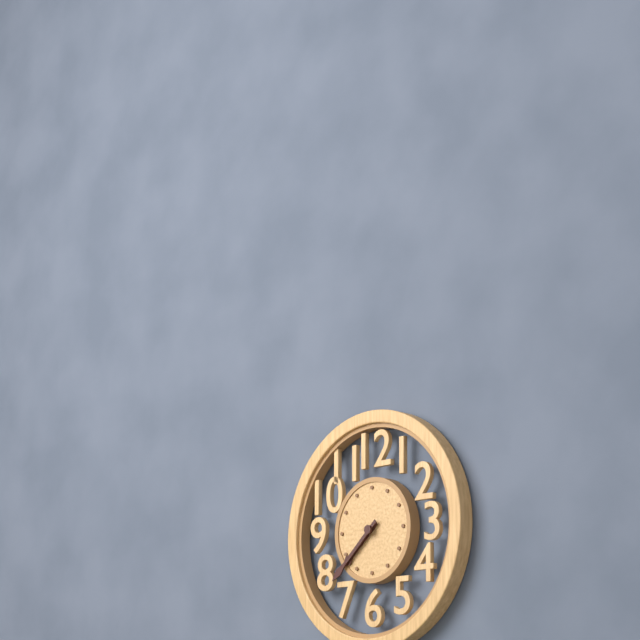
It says 7:38
